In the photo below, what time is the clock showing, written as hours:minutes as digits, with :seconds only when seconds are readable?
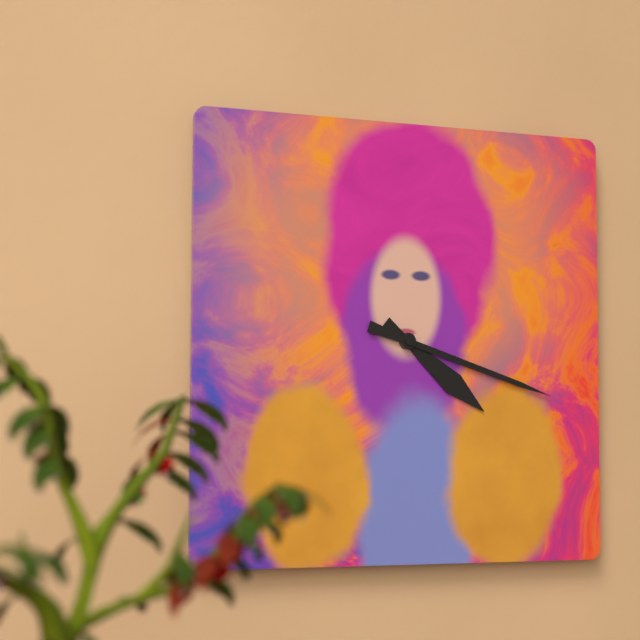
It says 4:18
